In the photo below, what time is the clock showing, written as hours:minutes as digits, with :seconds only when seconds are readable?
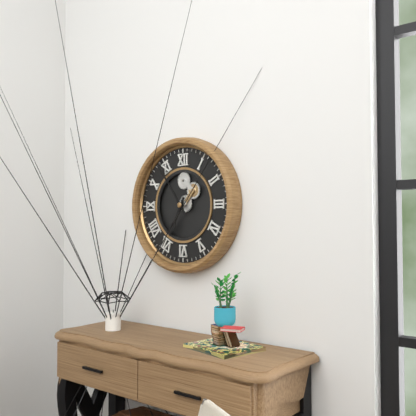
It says 6:54
